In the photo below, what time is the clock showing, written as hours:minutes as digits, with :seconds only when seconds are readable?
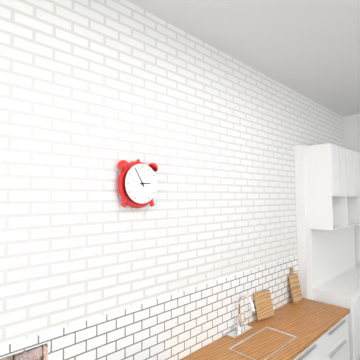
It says 2:55
